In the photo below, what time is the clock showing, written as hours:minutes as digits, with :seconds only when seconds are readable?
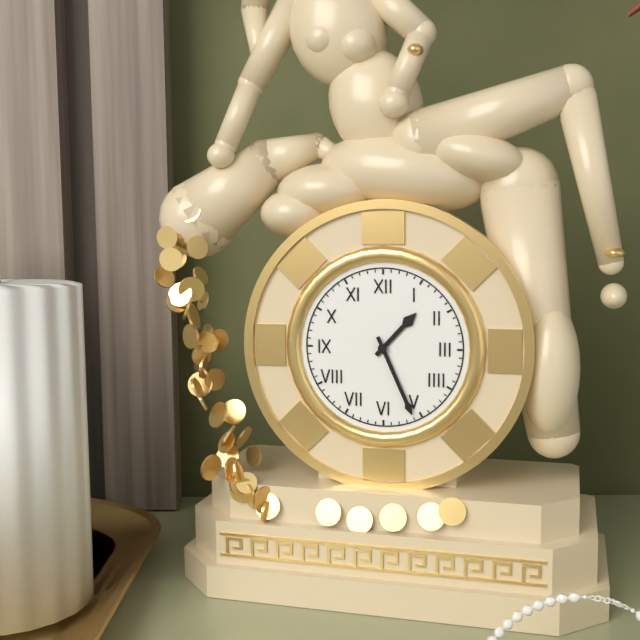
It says 1:26
